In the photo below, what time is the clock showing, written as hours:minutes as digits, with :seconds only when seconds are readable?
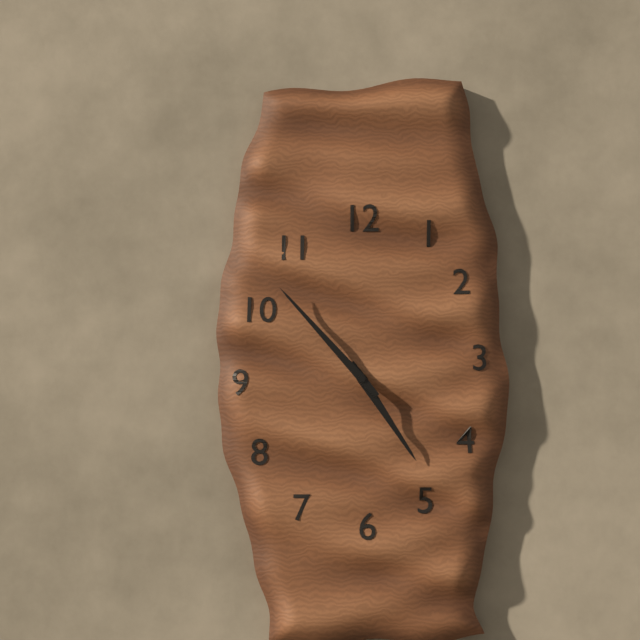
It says 4:53
